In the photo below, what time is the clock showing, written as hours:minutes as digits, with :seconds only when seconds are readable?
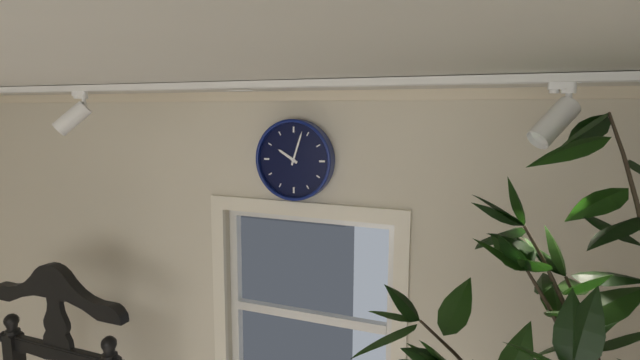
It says 10:03
